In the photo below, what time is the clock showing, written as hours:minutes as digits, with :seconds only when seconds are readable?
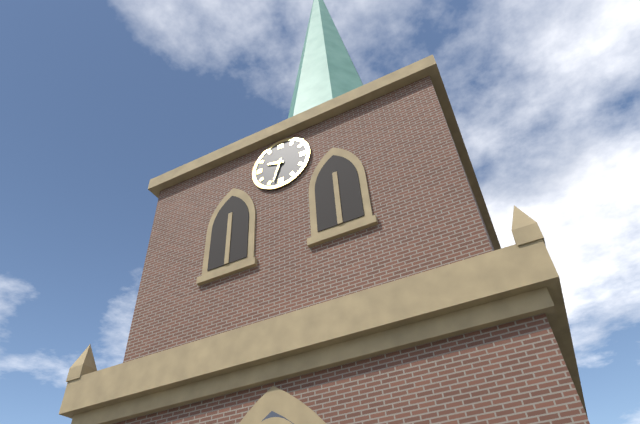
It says 9:33
